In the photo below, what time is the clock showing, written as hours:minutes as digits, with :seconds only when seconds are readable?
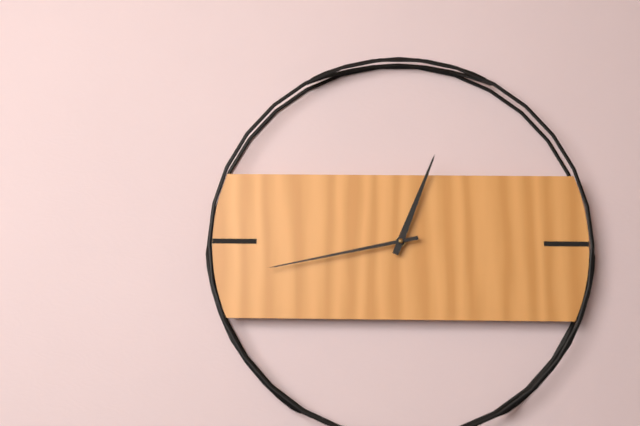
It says 12:43
